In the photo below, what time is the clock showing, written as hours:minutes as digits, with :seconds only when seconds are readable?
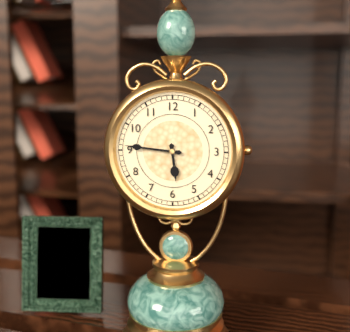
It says 5:46
